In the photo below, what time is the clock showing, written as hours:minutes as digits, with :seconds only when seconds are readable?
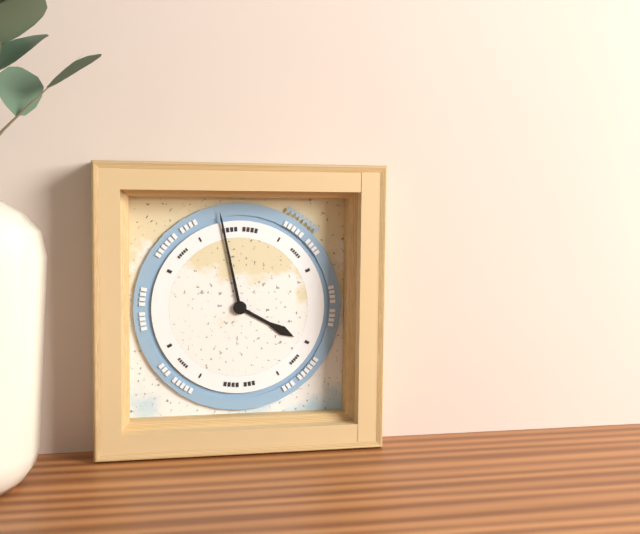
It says 3:58
